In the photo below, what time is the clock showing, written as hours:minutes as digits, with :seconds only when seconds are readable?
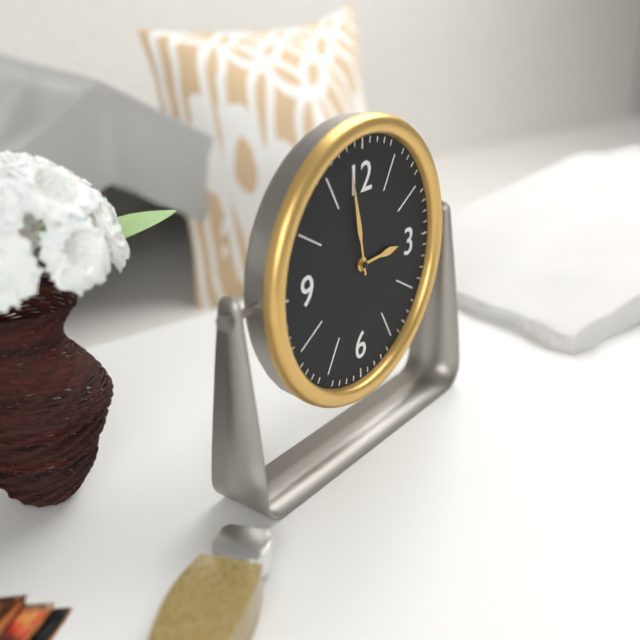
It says 2:58
